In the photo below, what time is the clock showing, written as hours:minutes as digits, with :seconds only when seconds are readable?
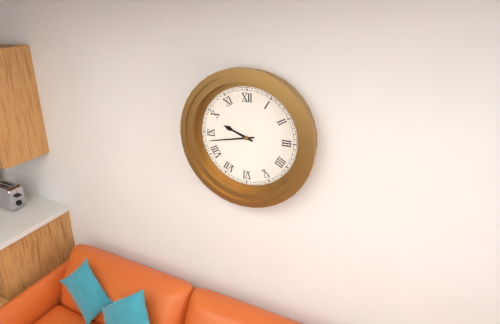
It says 9:43
